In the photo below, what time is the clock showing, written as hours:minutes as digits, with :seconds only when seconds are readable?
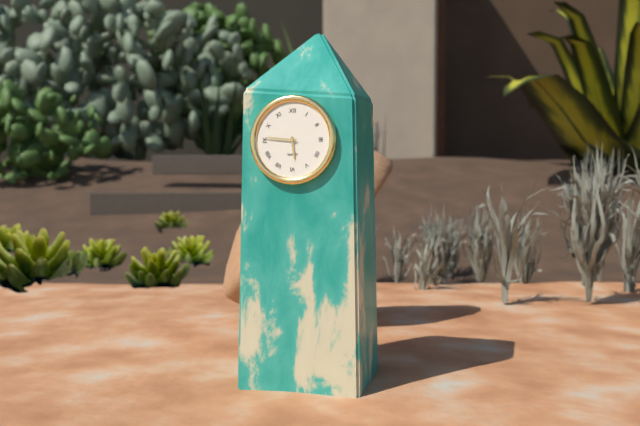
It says 5:46
